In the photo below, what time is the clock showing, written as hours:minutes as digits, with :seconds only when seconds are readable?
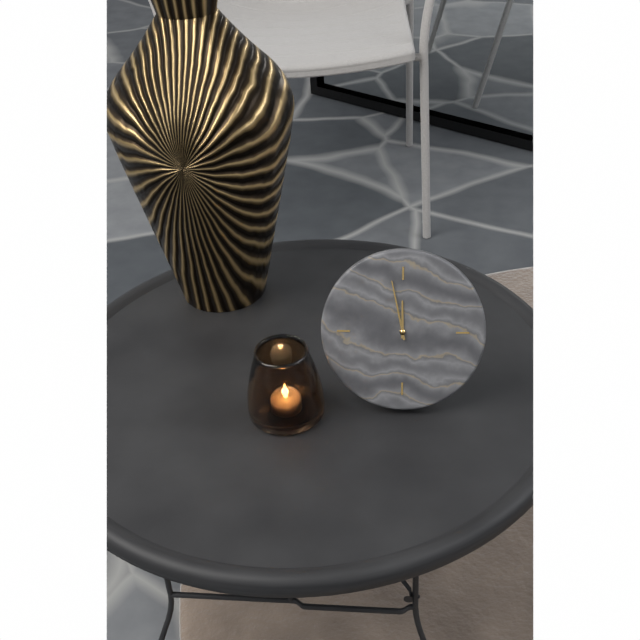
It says 11:58
